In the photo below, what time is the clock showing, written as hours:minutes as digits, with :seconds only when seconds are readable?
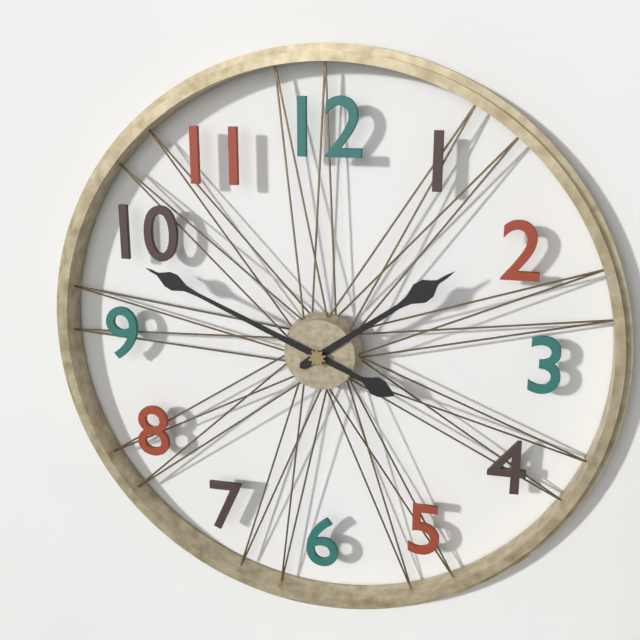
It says 1:49
